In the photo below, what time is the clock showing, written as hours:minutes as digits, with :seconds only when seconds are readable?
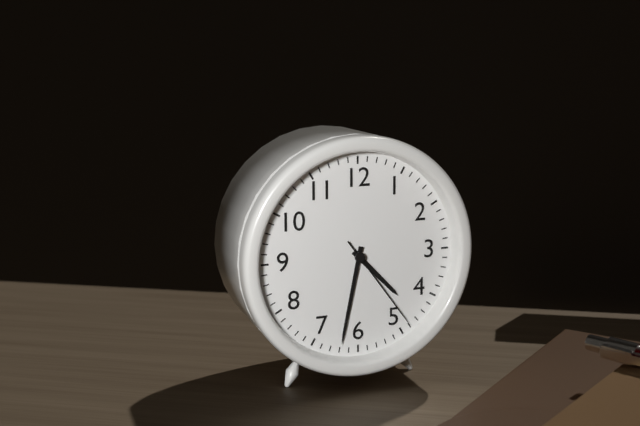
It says 4:32:24
